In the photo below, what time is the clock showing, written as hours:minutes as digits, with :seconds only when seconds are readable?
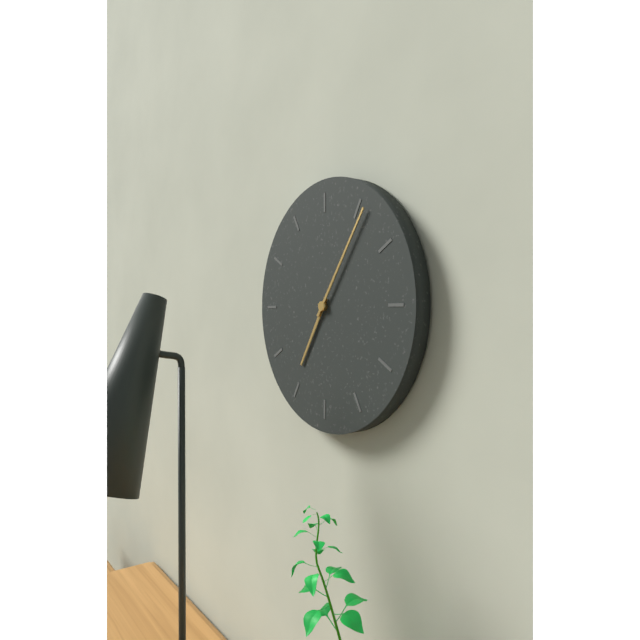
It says 7:06
